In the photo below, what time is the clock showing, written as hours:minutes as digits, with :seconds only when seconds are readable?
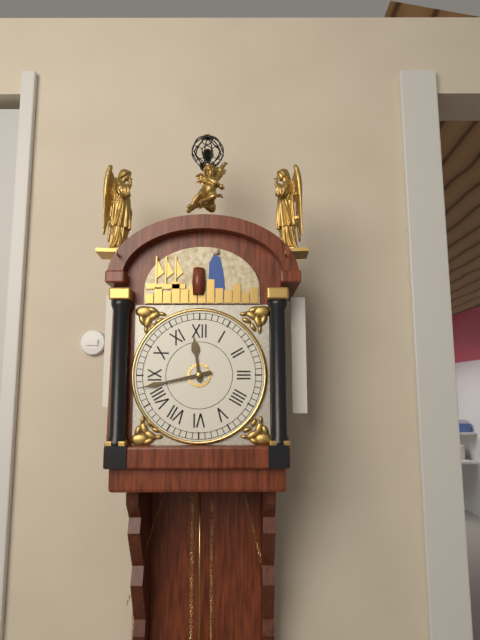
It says 11:43
